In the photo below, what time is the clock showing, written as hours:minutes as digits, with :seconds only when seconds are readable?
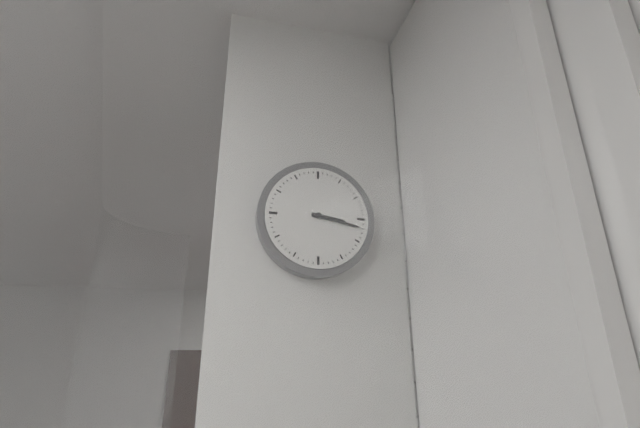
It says 3:17
